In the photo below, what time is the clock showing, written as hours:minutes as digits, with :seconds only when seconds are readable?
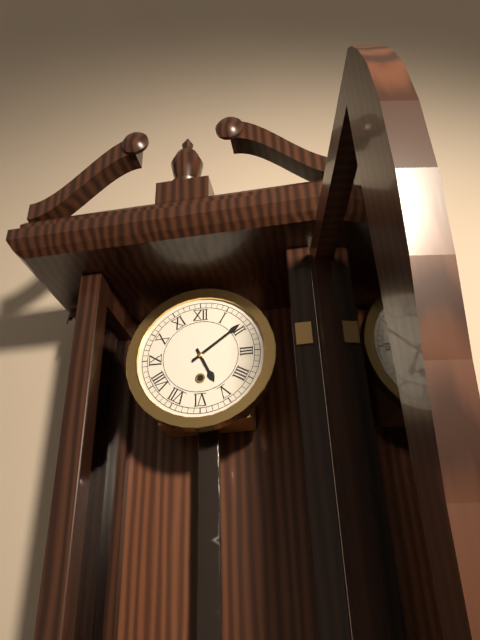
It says 5:09
